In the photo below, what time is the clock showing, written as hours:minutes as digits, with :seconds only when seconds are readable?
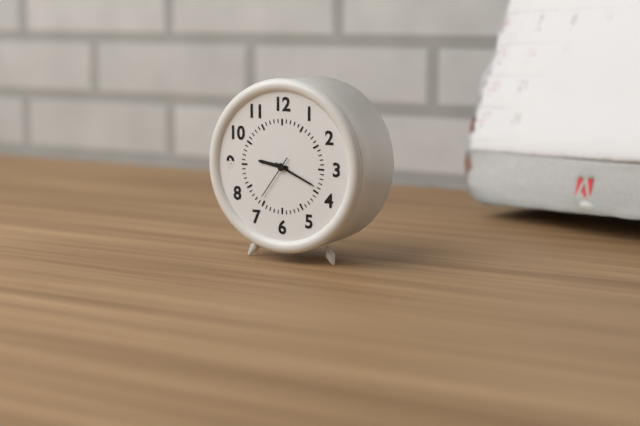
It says 9:19
